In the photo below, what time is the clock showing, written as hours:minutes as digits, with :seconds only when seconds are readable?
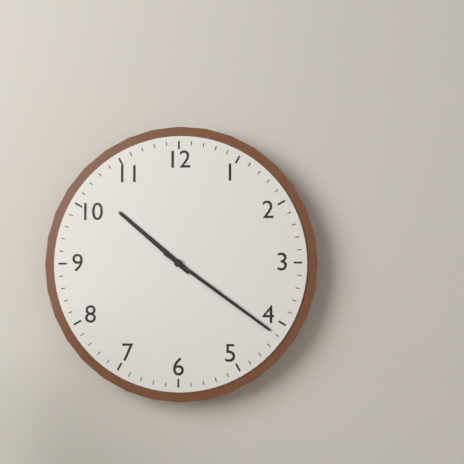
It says 10:21
